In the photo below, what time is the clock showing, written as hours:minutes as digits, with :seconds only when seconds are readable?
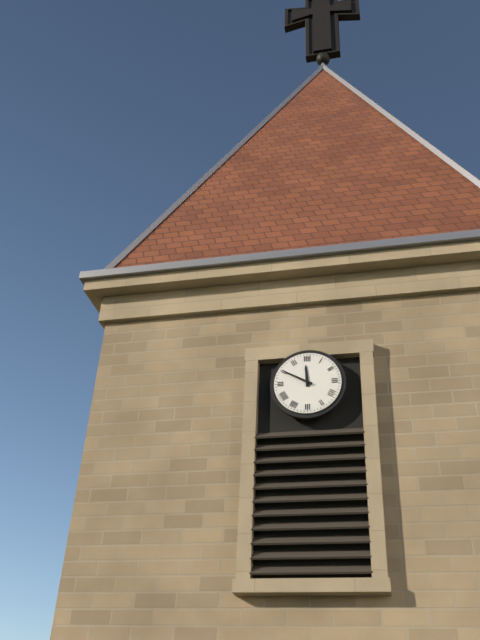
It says 11:50
